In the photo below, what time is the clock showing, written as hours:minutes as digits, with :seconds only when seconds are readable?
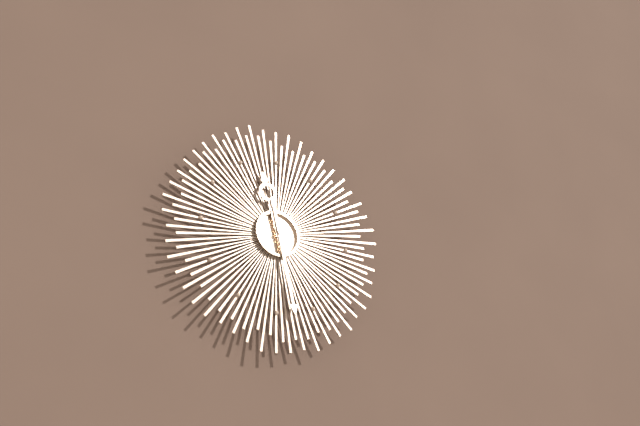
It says 11:28
